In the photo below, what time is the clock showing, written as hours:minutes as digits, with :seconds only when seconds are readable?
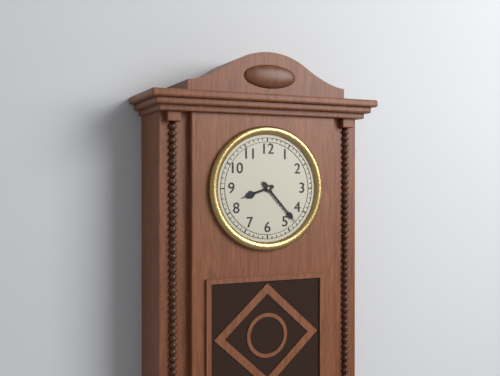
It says 8:23
